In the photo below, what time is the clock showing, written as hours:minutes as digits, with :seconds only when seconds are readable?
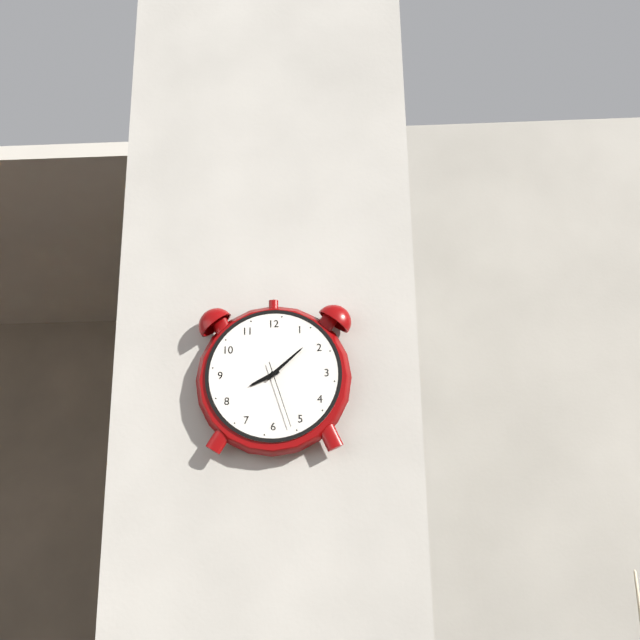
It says 8:08:27
